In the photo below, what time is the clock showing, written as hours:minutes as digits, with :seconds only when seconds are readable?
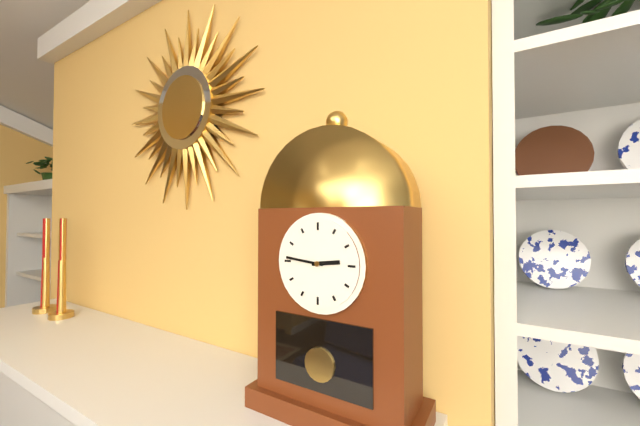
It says 2:46
